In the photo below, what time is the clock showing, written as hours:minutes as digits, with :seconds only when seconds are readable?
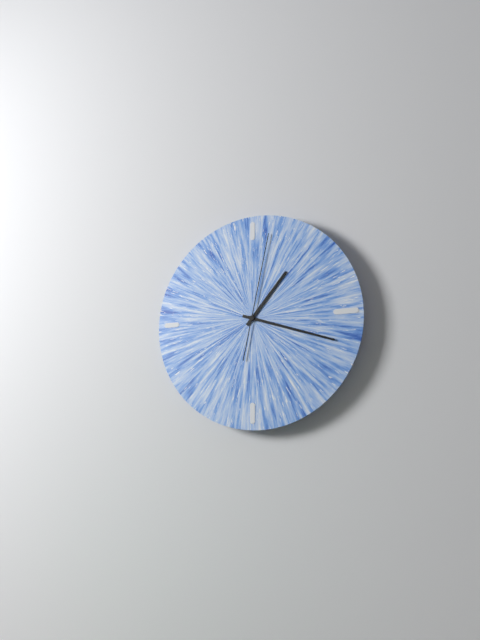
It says 1:18:02
